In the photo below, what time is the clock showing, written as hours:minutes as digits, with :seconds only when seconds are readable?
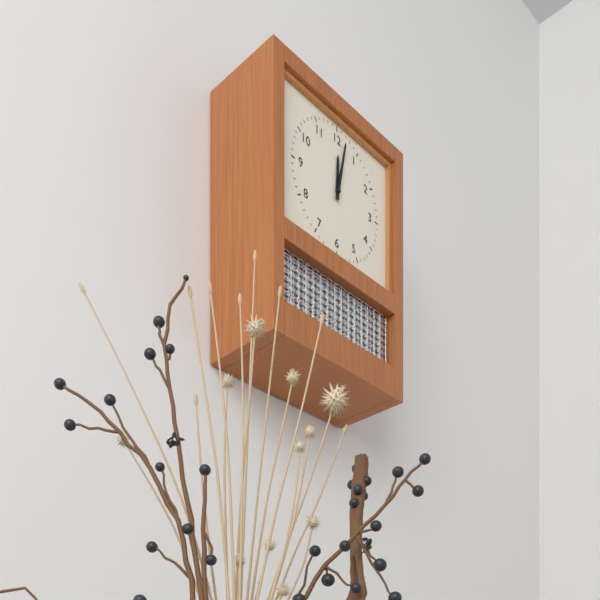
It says 12:02
